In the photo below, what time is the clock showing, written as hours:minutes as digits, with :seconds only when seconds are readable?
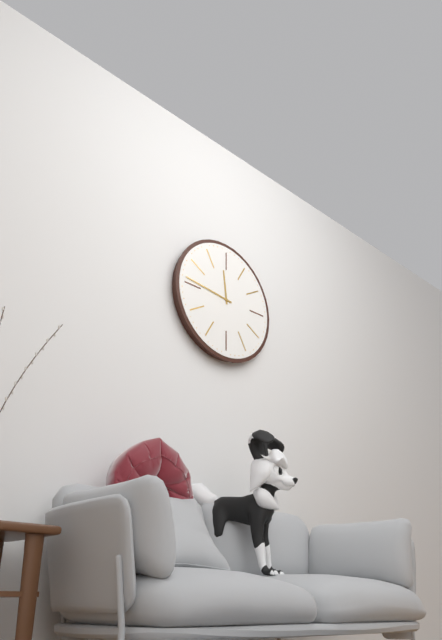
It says 11:46
